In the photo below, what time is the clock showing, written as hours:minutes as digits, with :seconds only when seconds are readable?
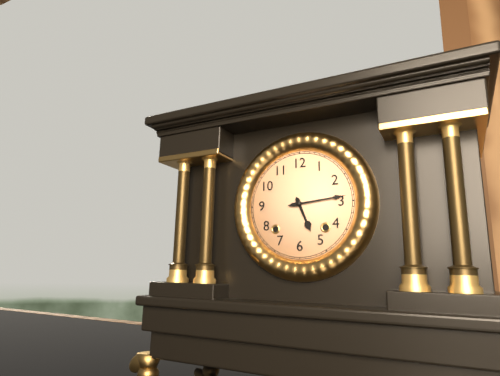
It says 5:14
